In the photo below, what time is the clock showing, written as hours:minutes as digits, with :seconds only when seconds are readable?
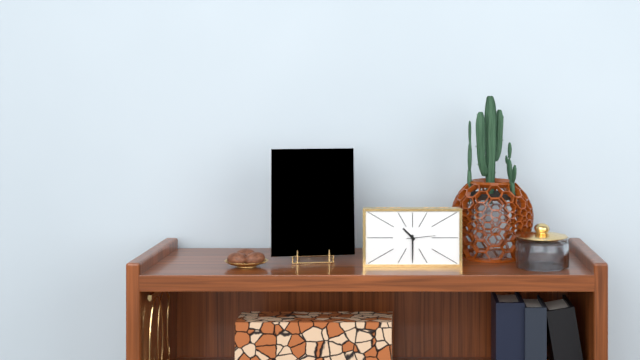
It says 10:30
